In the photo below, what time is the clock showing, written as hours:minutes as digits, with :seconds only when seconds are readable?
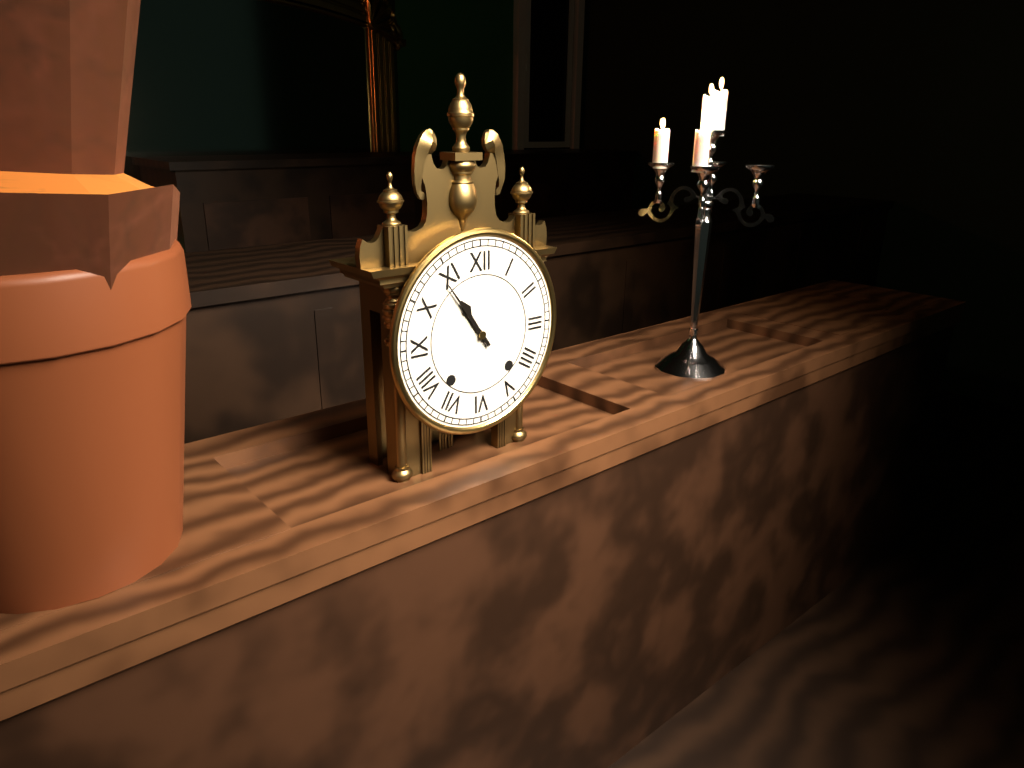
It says 10:54
